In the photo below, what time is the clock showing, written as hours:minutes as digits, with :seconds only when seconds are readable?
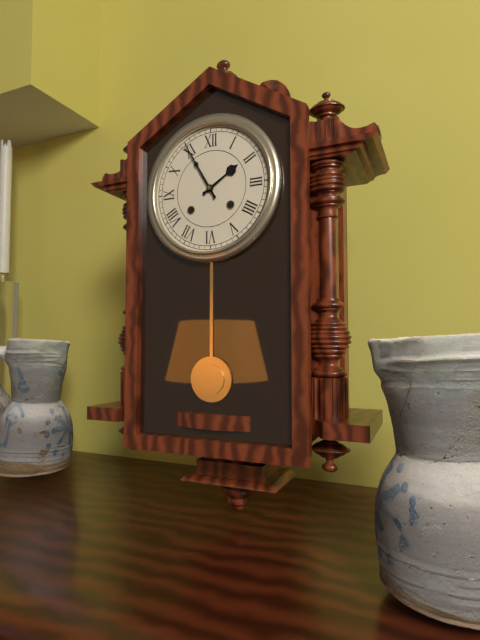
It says 1:55
